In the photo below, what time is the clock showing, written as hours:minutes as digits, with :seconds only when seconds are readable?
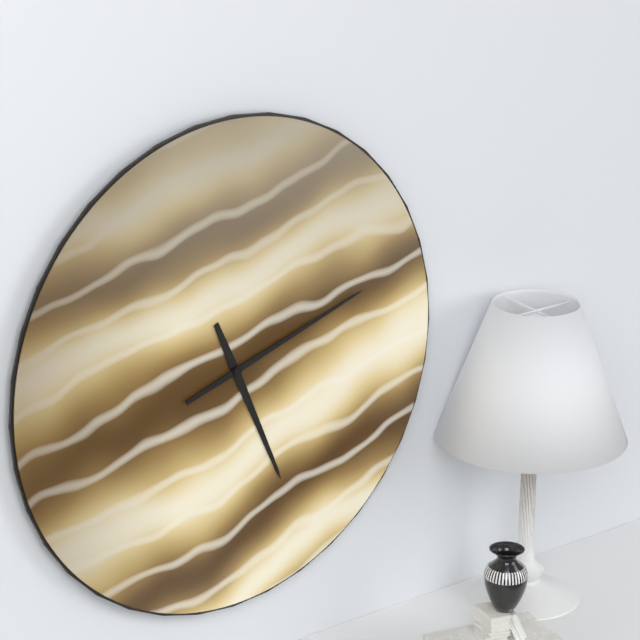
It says 5:12
